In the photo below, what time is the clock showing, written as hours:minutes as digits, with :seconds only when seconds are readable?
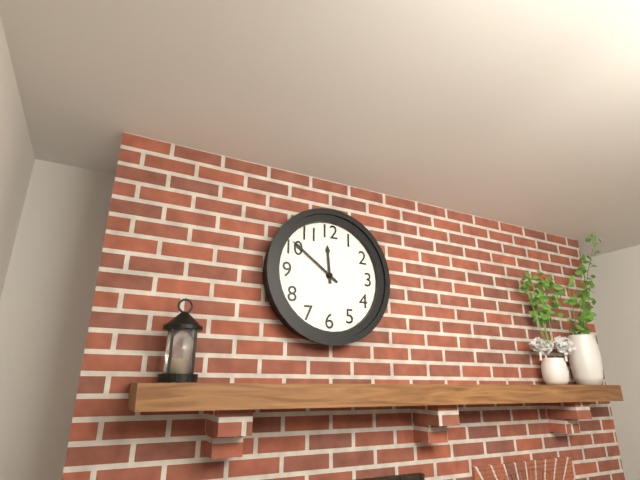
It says 11:51
